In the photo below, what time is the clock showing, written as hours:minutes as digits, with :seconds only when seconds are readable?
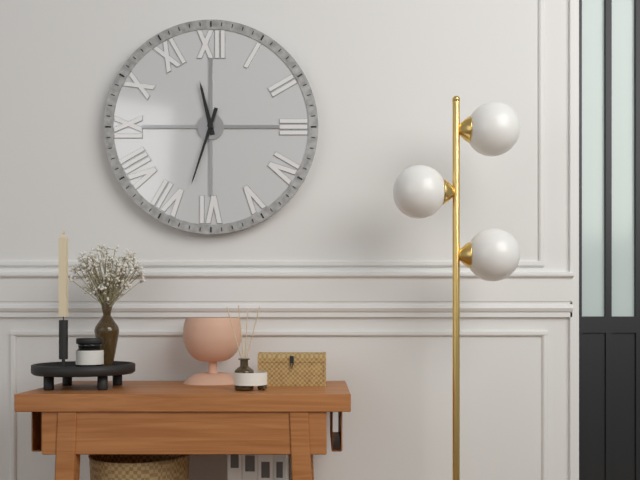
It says 11:33
